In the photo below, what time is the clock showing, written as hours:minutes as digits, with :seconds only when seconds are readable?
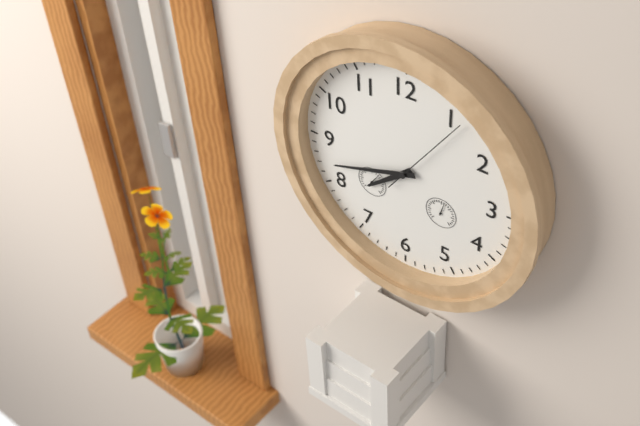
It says 7:42:06
